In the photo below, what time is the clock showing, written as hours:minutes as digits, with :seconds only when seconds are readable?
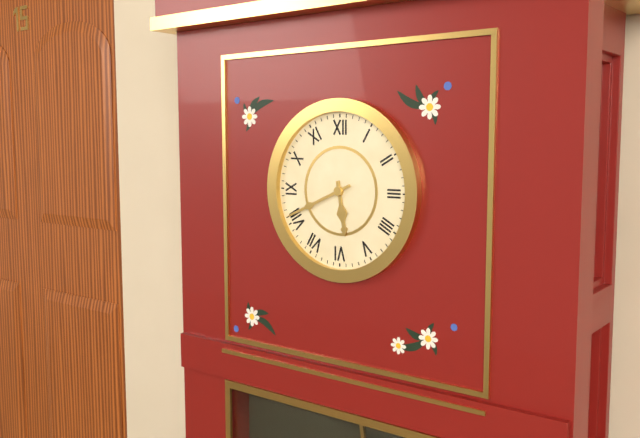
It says 5:41
